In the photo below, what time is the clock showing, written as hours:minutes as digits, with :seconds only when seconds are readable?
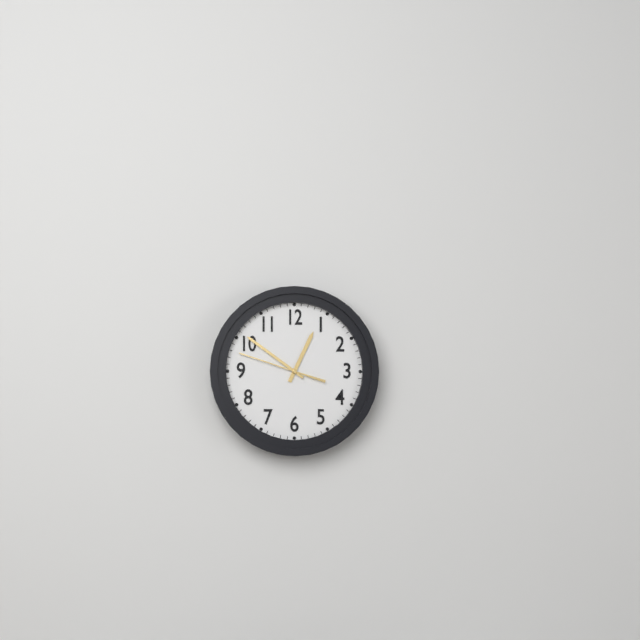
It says 12:51:48
